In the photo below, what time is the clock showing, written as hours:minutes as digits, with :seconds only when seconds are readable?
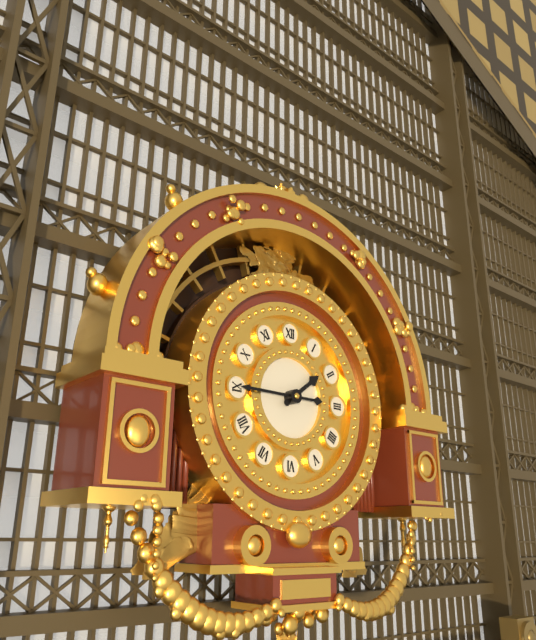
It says 1:45
